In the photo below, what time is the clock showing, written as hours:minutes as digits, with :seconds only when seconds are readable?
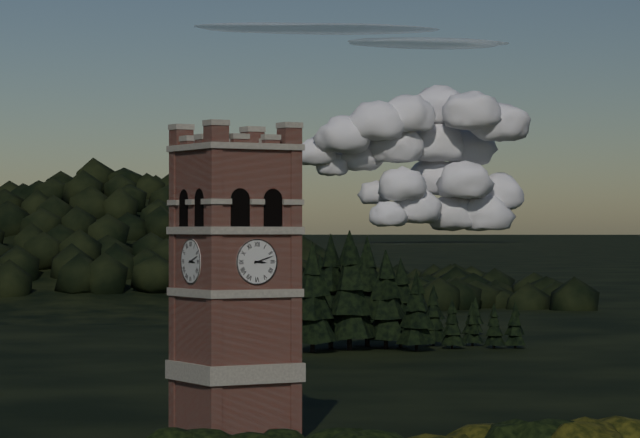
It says 3:12
